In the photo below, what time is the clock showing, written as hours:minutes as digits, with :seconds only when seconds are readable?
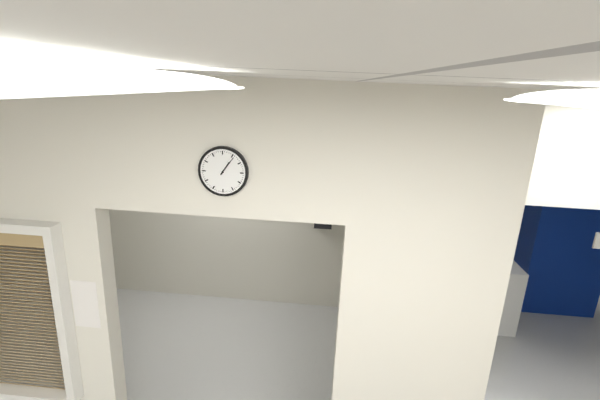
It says 1:06
